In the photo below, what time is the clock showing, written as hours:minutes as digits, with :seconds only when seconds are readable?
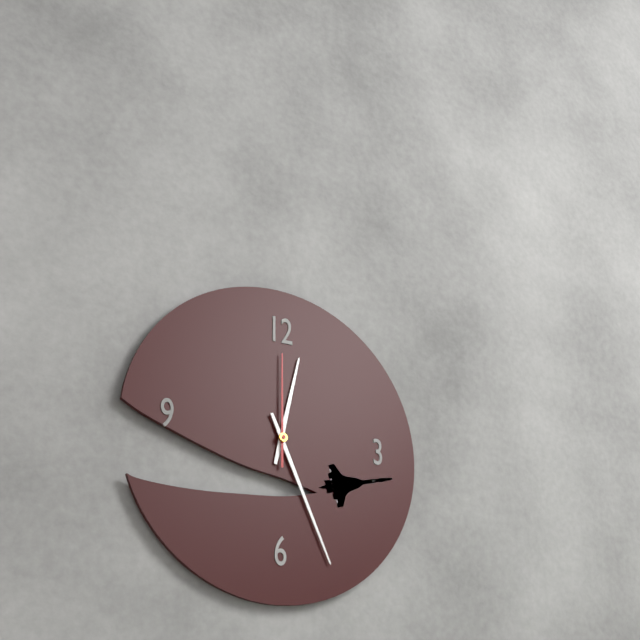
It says 12:26:00
